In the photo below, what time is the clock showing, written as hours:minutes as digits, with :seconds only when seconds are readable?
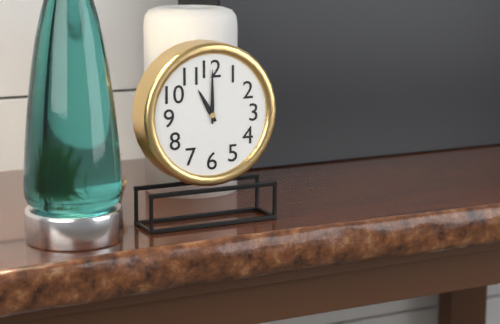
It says 11:00
